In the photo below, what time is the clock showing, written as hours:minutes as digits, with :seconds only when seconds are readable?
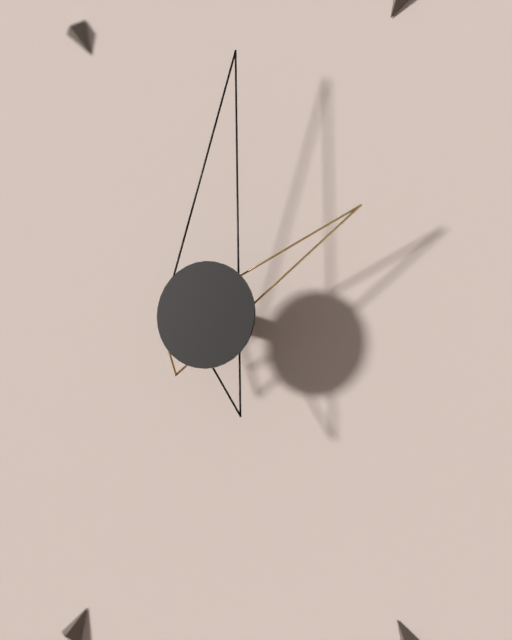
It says 2:01
